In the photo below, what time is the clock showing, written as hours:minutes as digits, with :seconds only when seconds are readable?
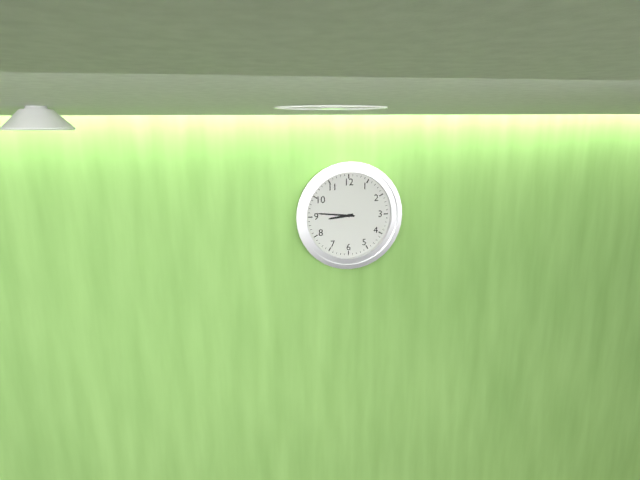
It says 8:46
